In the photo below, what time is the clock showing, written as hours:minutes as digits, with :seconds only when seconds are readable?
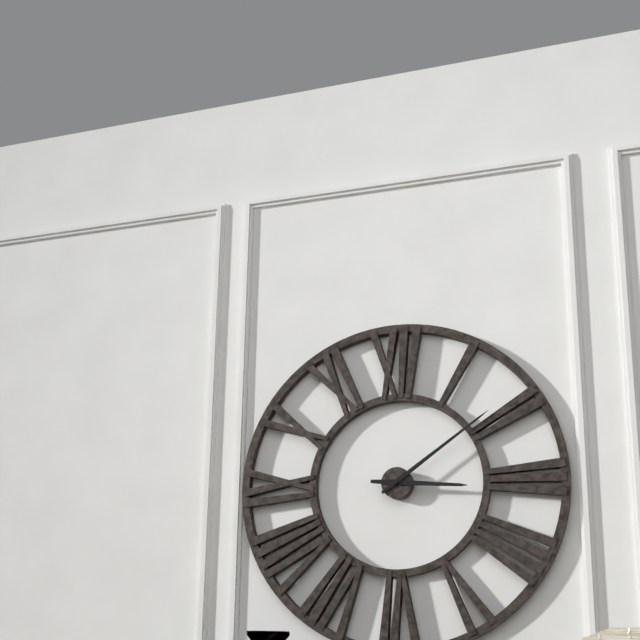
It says 3:09
